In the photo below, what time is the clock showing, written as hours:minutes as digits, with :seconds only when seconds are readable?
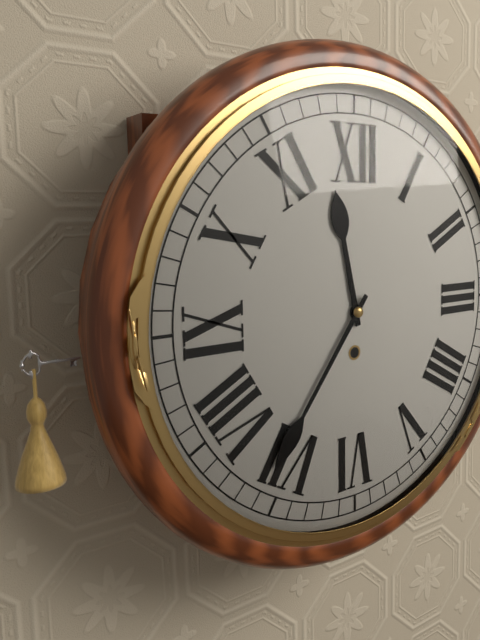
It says 11:36
